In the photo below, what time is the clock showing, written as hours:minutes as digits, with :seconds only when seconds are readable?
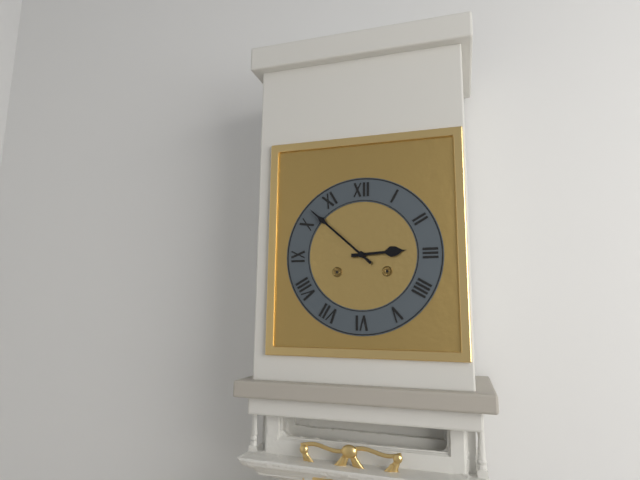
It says 2:52
